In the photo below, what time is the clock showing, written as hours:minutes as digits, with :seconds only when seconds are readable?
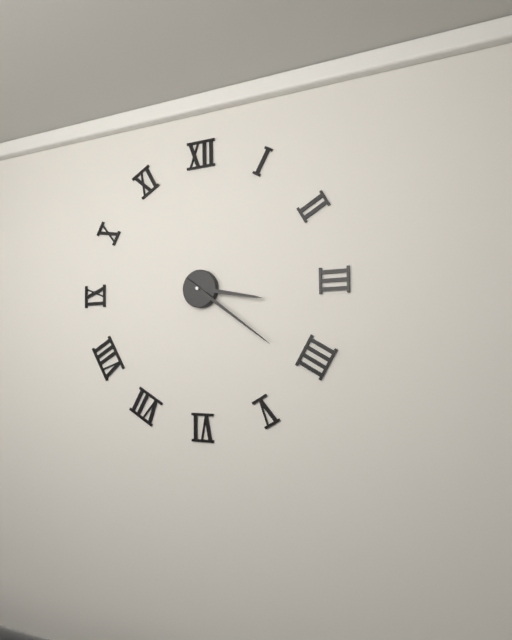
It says 3:21
